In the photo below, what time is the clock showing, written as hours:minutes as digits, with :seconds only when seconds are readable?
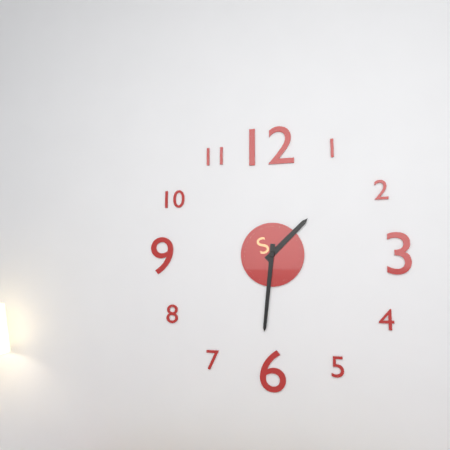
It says 1:31
